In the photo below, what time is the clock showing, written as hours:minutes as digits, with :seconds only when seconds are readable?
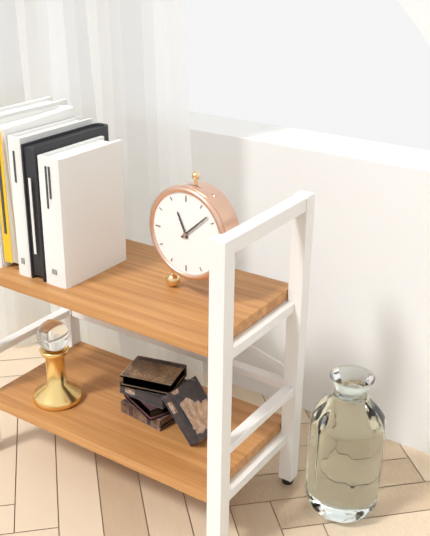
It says 11:08
